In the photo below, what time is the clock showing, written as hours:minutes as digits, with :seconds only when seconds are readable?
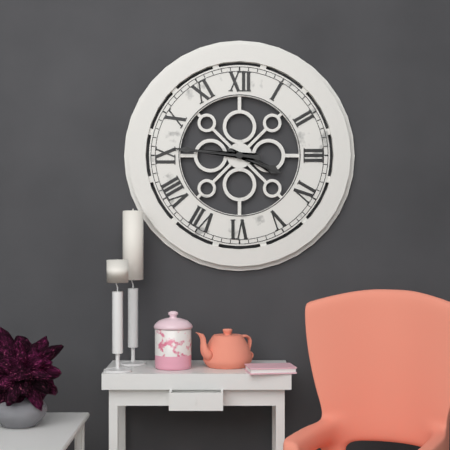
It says 3:46
